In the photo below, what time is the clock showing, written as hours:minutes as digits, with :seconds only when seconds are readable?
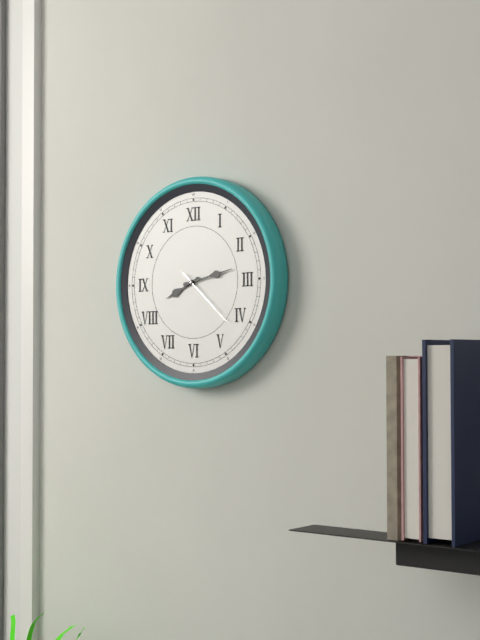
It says 8:13:22
